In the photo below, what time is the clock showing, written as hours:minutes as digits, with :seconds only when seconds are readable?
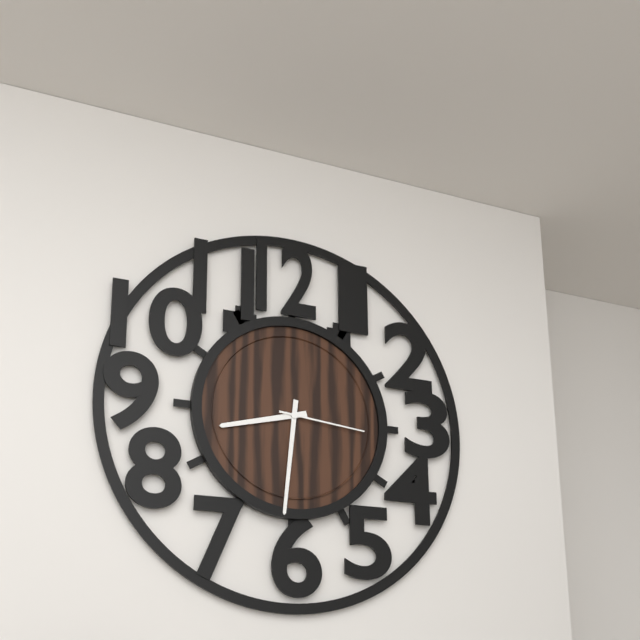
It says 8:31:16
